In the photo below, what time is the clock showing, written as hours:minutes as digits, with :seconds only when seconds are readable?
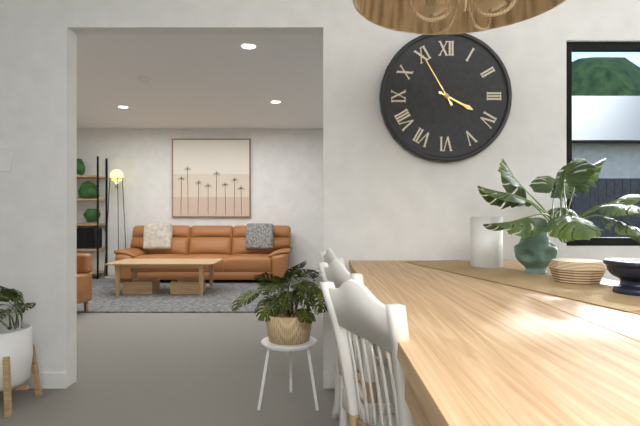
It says 3:55
